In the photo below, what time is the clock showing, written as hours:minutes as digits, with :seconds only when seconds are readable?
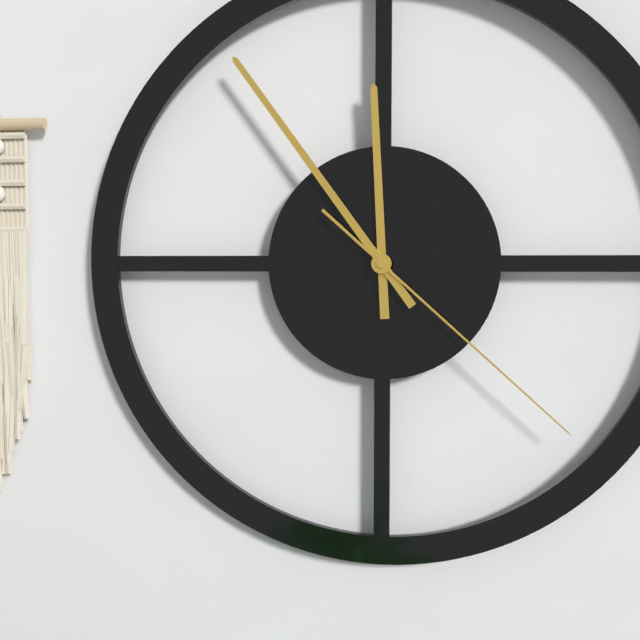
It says 11:54:22
